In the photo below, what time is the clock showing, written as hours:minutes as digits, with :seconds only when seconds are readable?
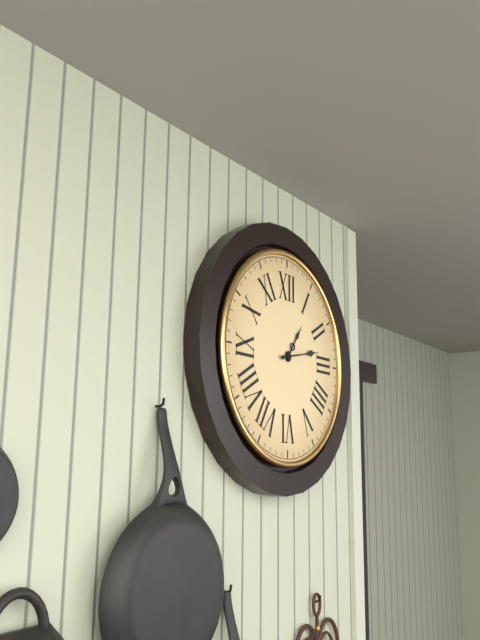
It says 1:13
